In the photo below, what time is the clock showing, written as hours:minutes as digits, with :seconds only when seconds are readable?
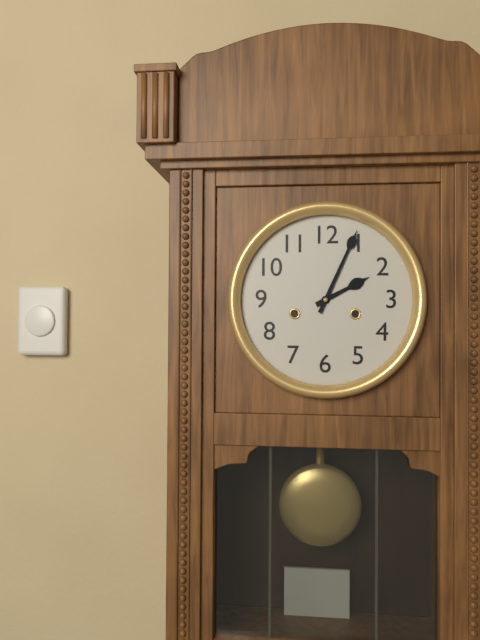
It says 2:04
